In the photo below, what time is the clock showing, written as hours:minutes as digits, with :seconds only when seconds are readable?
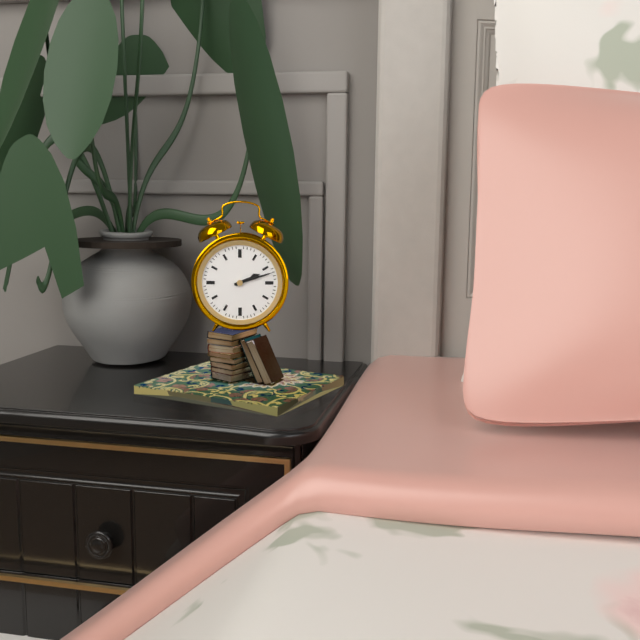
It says 2:12
